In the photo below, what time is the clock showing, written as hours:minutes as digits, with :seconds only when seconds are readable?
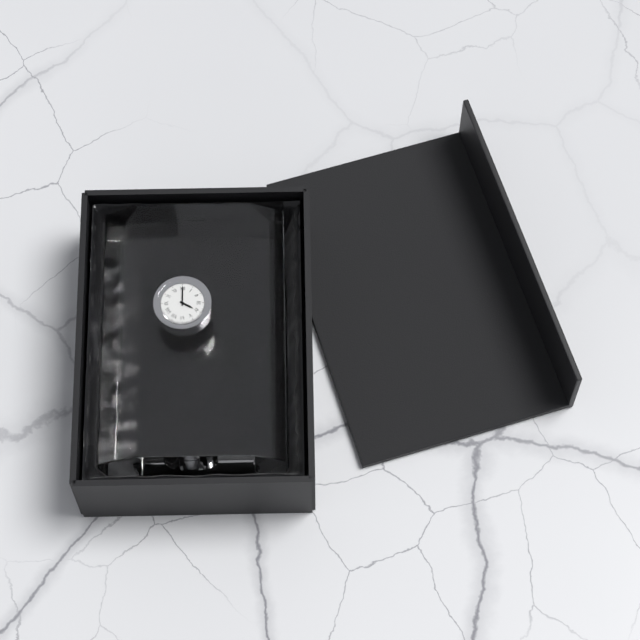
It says 4:00
